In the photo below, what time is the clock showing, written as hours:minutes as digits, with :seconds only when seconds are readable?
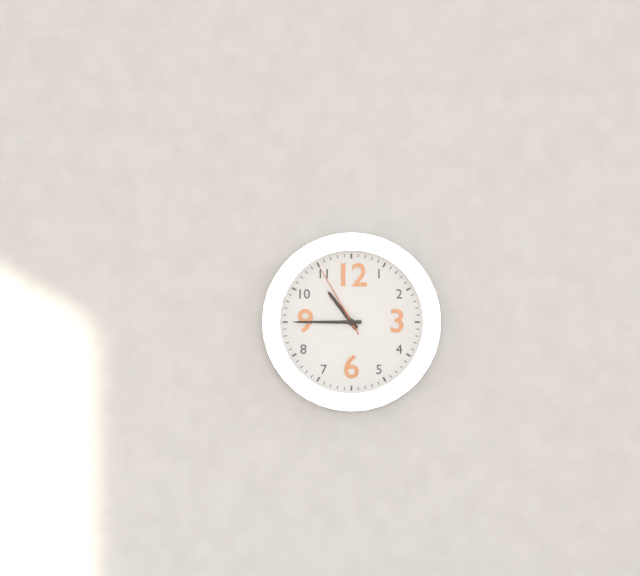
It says 10:45:55
